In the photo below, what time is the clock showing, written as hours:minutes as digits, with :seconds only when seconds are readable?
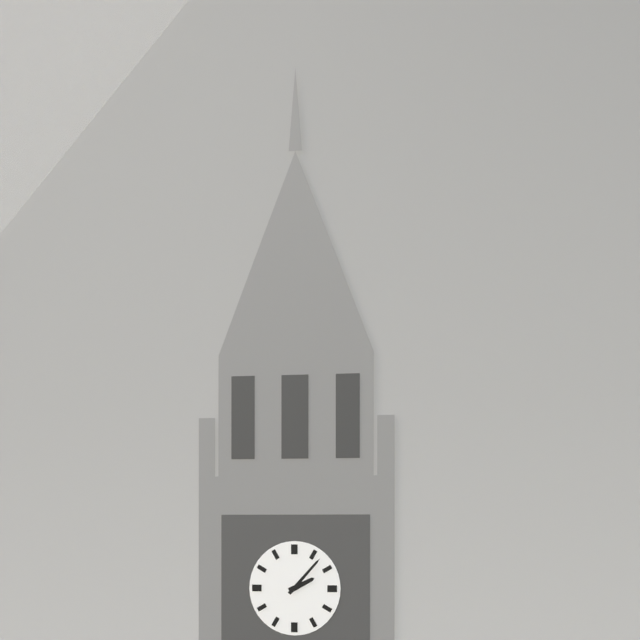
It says 2:07
